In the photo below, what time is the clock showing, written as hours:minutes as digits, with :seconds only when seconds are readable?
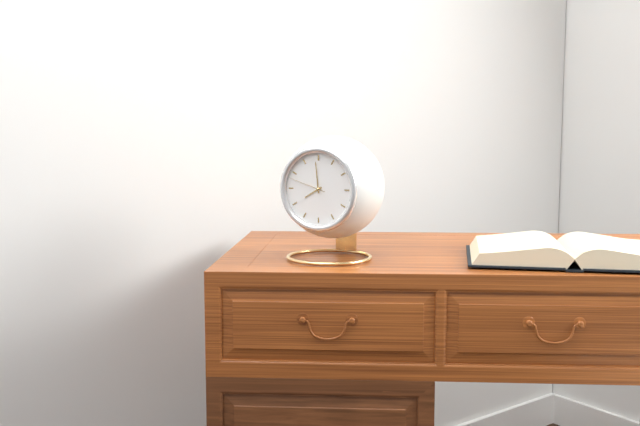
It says 7:59
